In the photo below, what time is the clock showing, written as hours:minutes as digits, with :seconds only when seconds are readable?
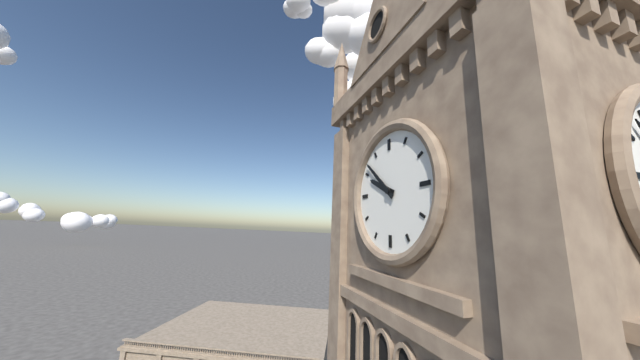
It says 9:52
